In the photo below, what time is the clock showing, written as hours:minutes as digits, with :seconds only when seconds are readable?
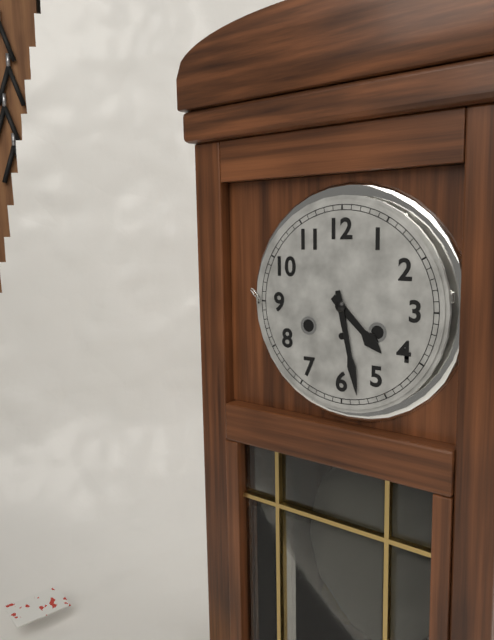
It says 4:28
